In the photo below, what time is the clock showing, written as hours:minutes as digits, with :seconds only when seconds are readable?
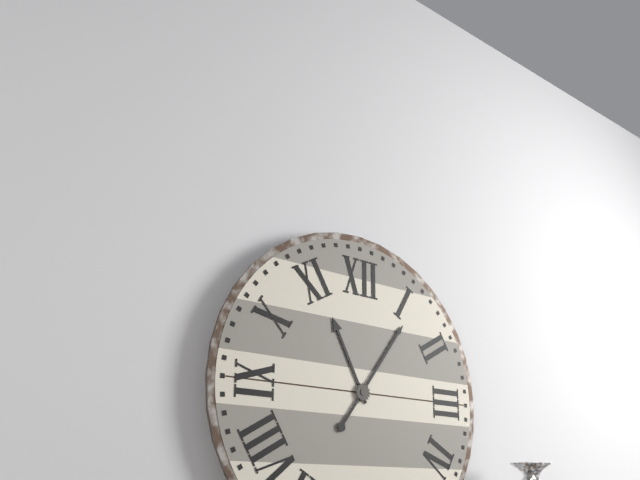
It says 11:06
